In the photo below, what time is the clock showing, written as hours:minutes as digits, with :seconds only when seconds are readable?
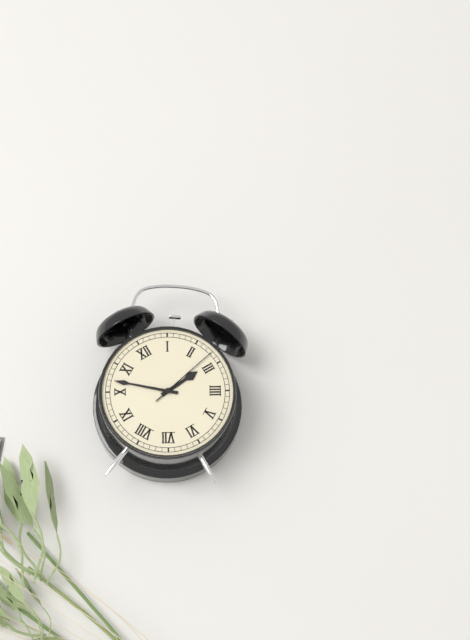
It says 2:52:13
